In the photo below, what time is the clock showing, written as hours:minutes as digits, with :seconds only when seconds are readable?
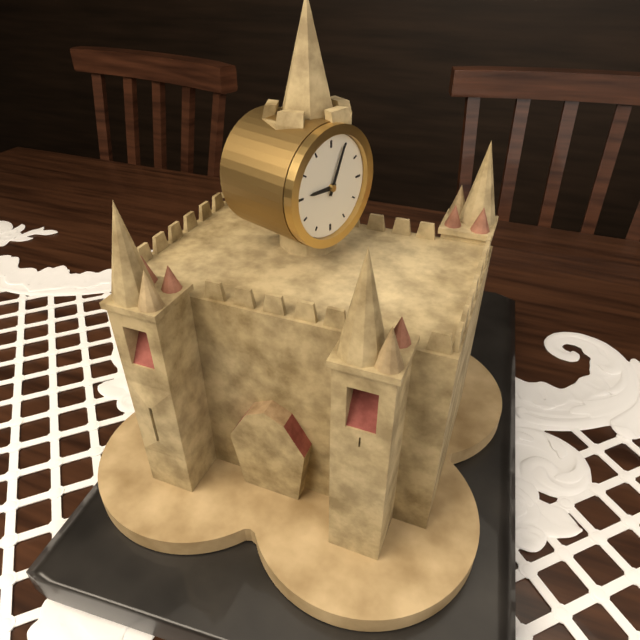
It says 9:04
